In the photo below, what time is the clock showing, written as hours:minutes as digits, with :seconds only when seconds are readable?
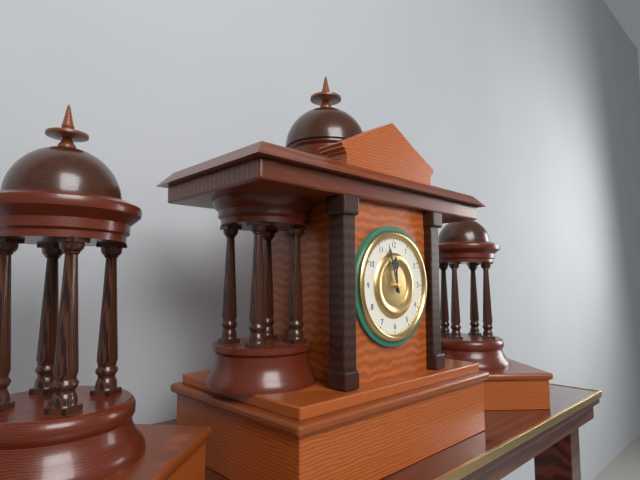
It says 11:57
